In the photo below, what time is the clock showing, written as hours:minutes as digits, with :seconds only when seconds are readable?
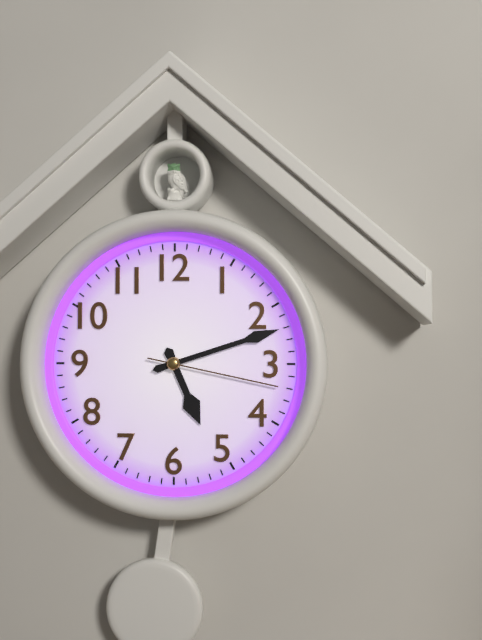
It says 5:12:17
